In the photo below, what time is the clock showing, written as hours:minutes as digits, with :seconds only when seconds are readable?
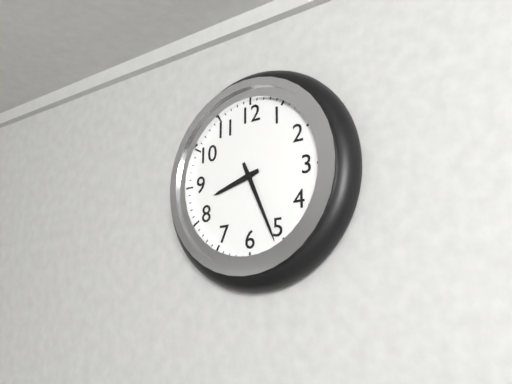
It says 8:26
